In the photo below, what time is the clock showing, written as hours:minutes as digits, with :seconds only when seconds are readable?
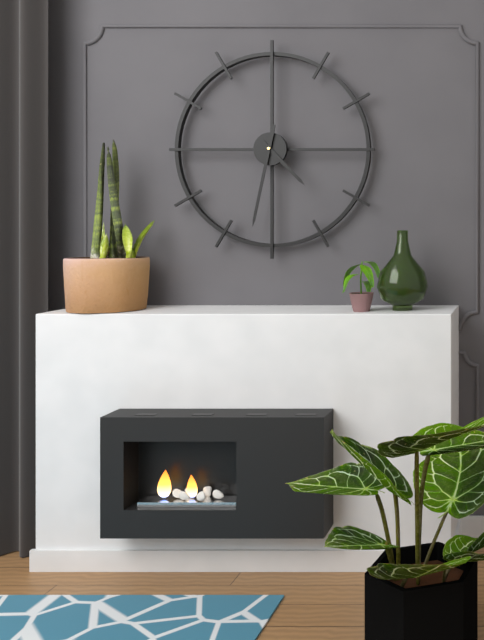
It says 4:32
